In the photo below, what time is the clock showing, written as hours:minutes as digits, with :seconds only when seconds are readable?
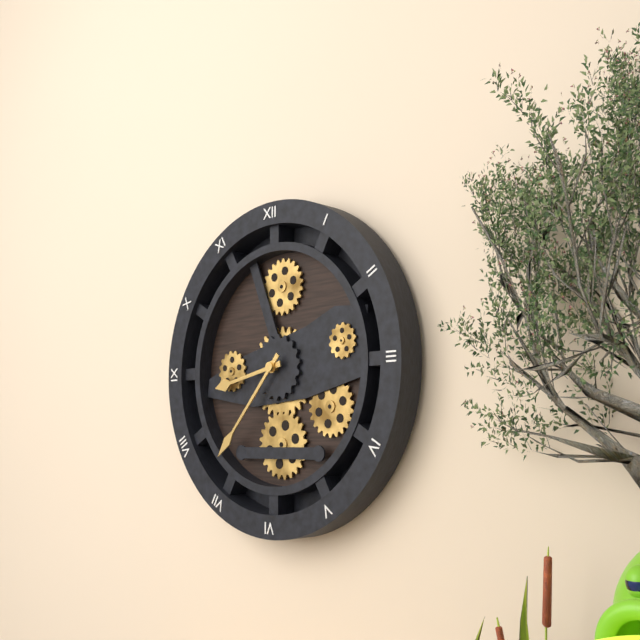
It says 8:37
